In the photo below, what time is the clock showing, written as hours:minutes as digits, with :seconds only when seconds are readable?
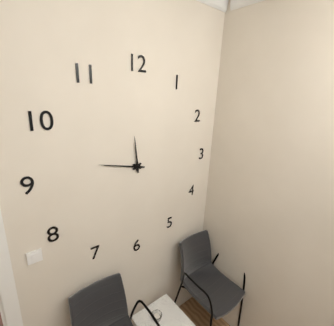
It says 11:47
